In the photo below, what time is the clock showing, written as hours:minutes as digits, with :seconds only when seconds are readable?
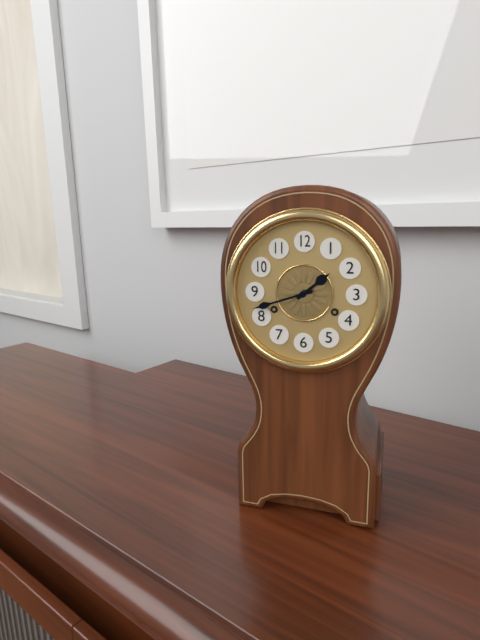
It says 1:42
